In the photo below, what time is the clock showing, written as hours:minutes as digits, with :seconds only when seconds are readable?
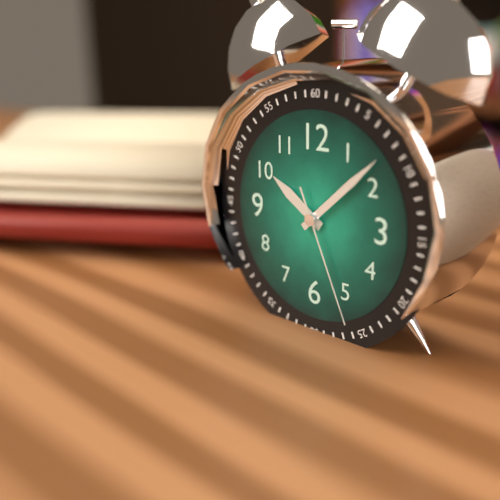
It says 10:08:26
